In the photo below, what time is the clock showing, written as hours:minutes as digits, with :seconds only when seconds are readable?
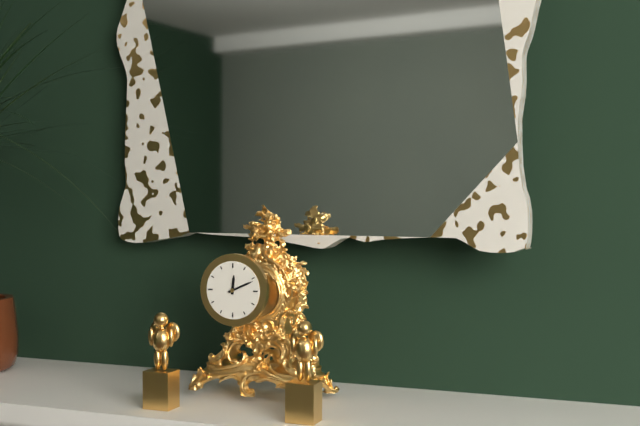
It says 12:11
